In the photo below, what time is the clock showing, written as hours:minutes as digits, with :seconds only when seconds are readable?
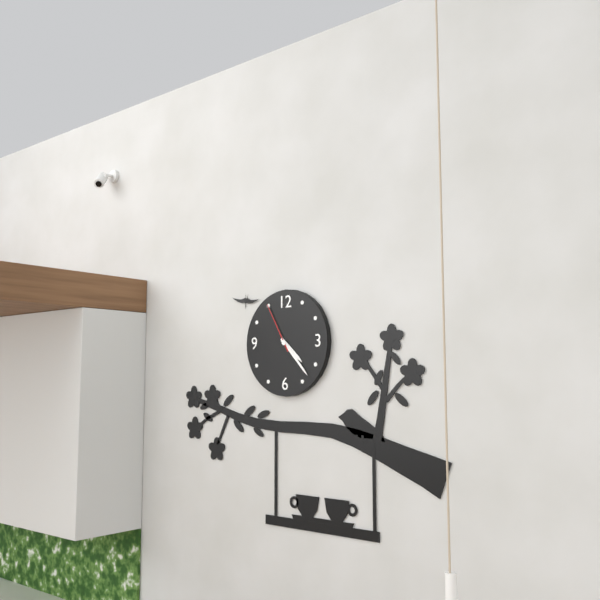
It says 4:23:55
